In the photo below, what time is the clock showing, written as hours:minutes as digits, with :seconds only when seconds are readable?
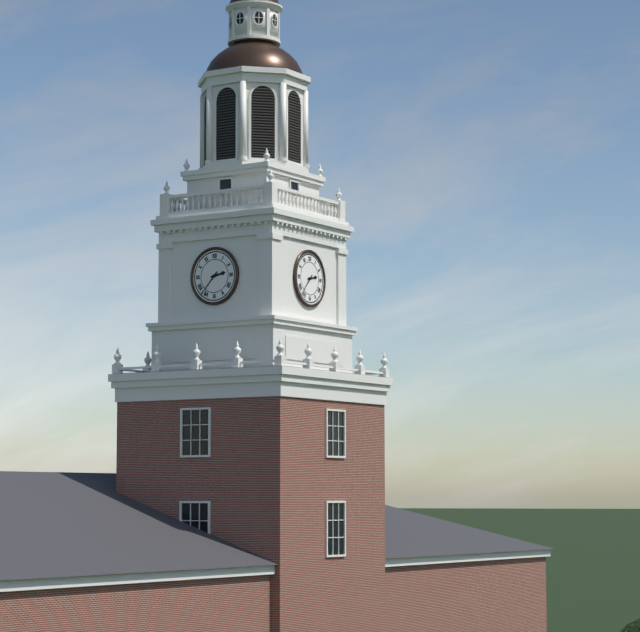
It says 2:37
